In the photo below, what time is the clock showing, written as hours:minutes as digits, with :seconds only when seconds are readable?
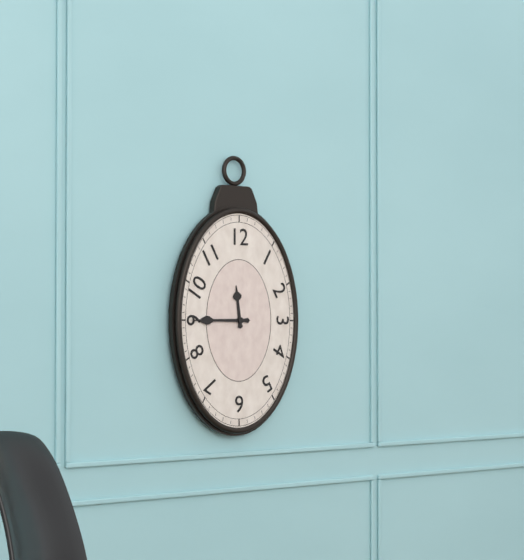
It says 11:45
